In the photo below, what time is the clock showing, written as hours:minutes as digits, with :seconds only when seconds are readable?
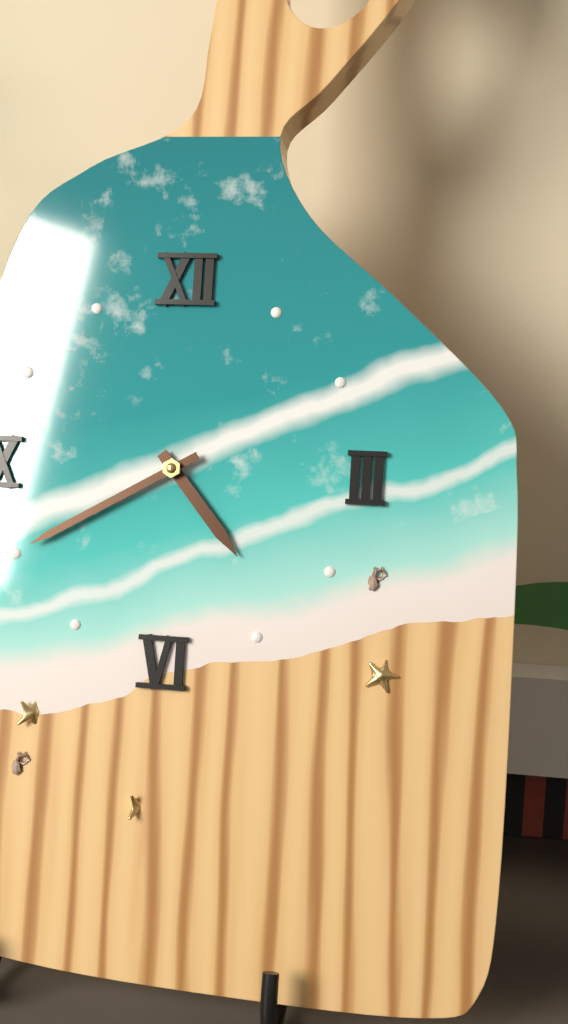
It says 4:40
